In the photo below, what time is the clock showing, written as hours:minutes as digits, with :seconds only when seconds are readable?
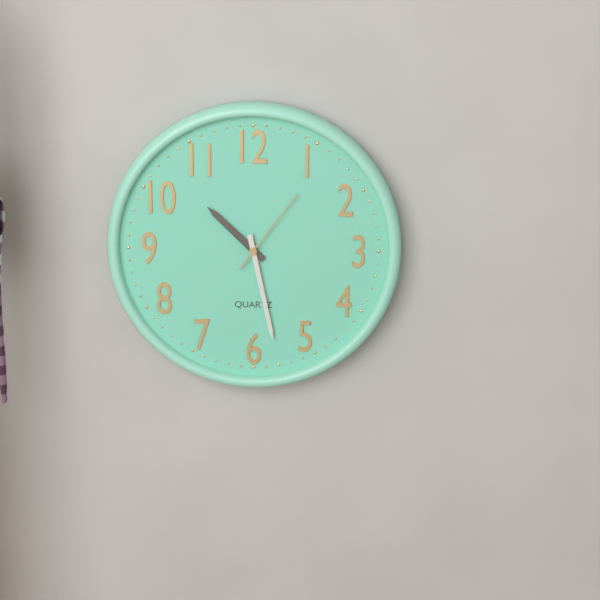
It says 10:28:06
